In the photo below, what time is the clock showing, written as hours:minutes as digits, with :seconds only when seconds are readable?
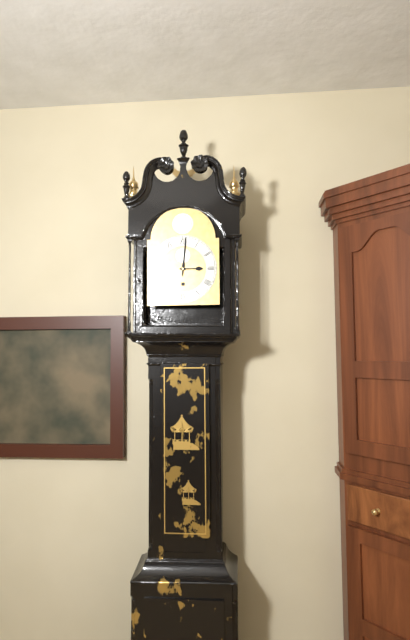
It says 3:01
